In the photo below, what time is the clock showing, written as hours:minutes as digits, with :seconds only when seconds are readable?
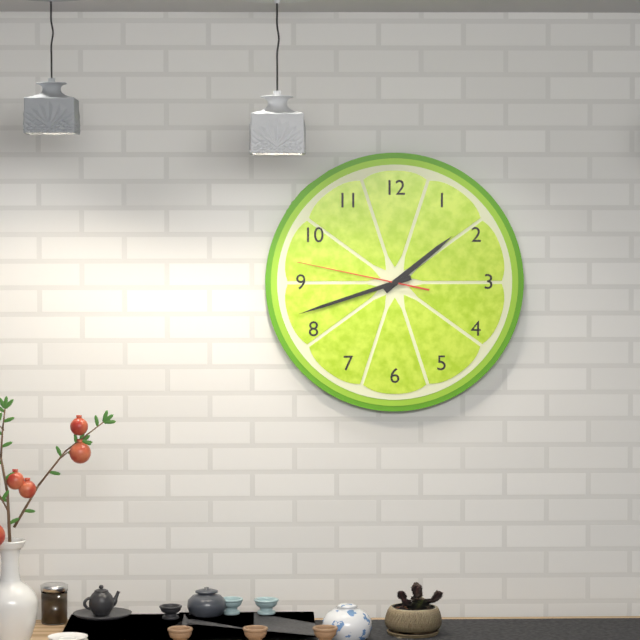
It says 1:42:47
